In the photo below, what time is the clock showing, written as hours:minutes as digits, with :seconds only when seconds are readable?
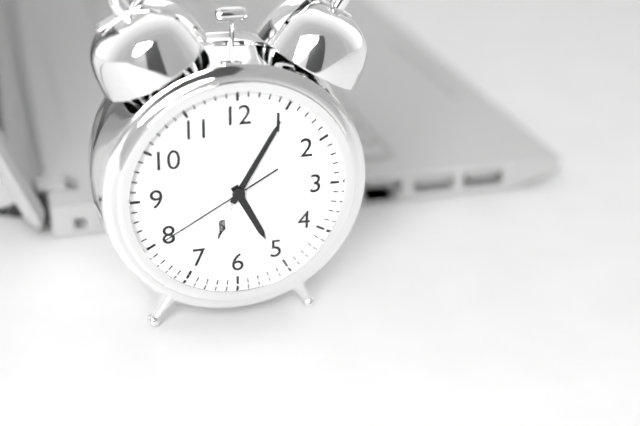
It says 5:05:40
